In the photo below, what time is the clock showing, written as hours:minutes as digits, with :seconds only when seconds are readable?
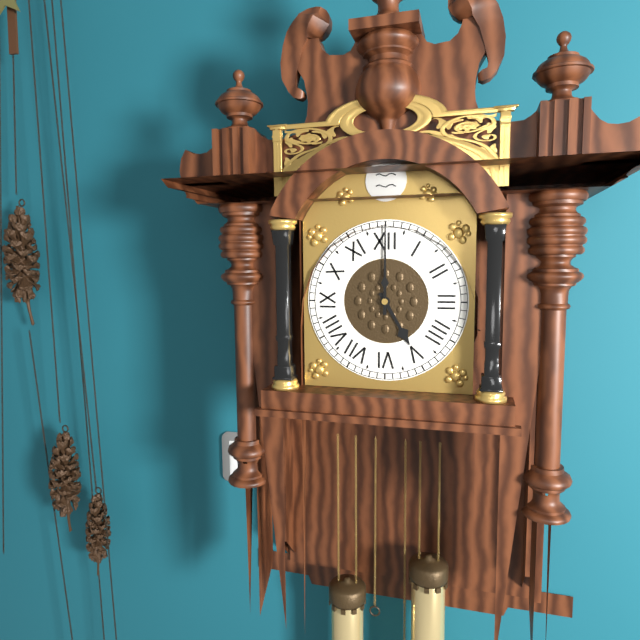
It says 5:00
